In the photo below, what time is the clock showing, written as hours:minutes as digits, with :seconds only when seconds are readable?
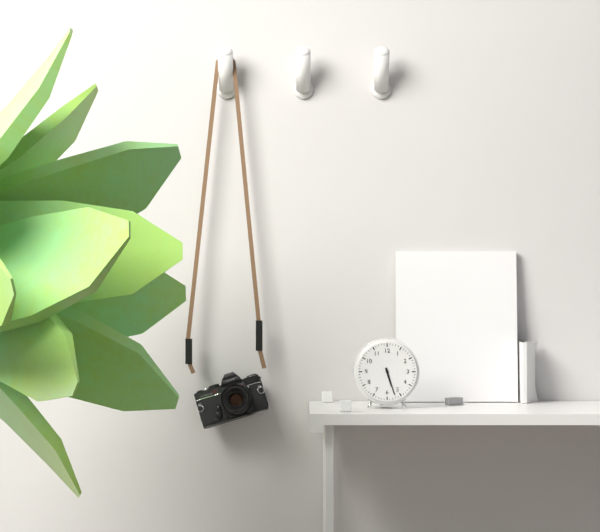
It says 5:27
